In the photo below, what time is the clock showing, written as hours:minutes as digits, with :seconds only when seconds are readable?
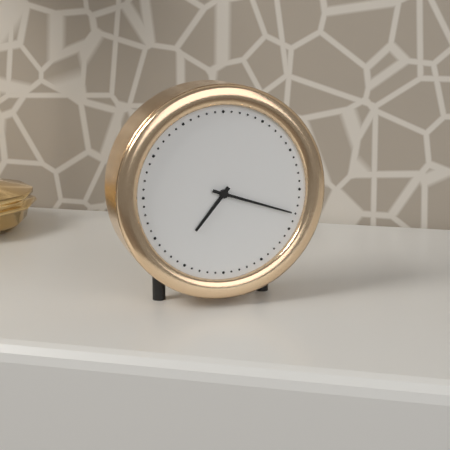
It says 7:18
